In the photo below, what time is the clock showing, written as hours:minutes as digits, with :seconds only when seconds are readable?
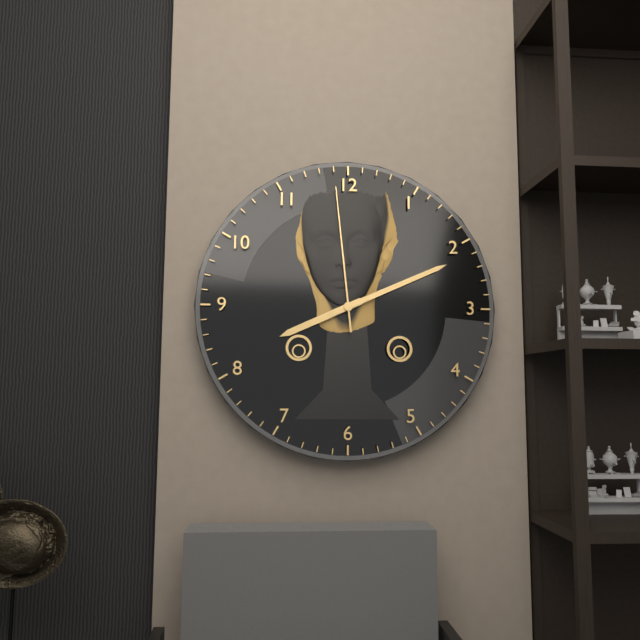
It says 8:11:59
